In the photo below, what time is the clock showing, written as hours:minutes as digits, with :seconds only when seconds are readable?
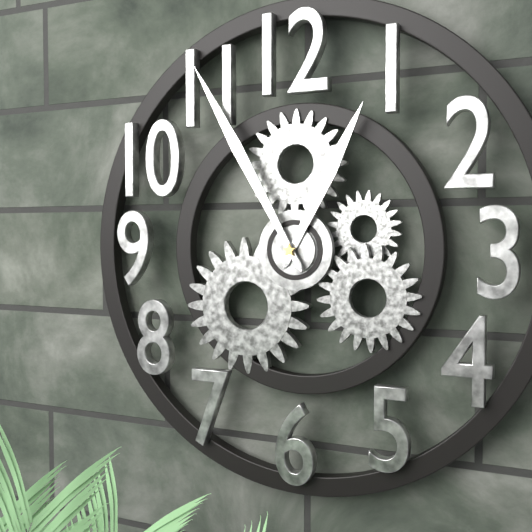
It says 12:55
